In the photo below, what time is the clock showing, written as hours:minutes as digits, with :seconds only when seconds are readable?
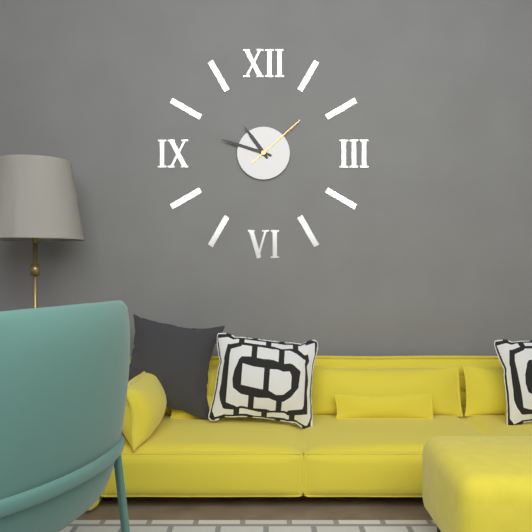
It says 10:48:08
